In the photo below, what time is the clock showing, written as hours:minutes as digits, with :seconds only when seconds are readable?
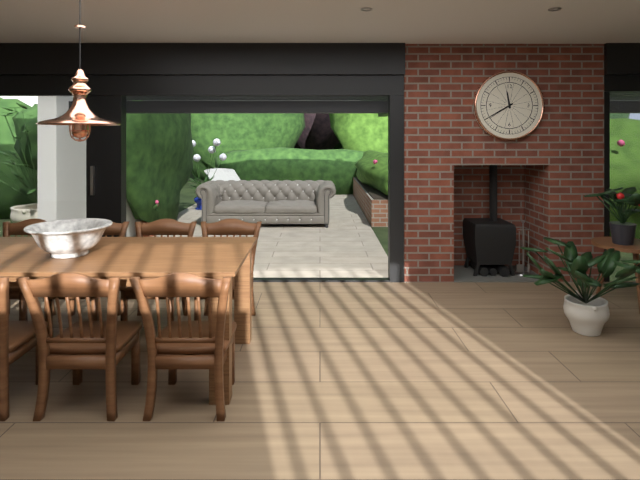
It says 11:40
